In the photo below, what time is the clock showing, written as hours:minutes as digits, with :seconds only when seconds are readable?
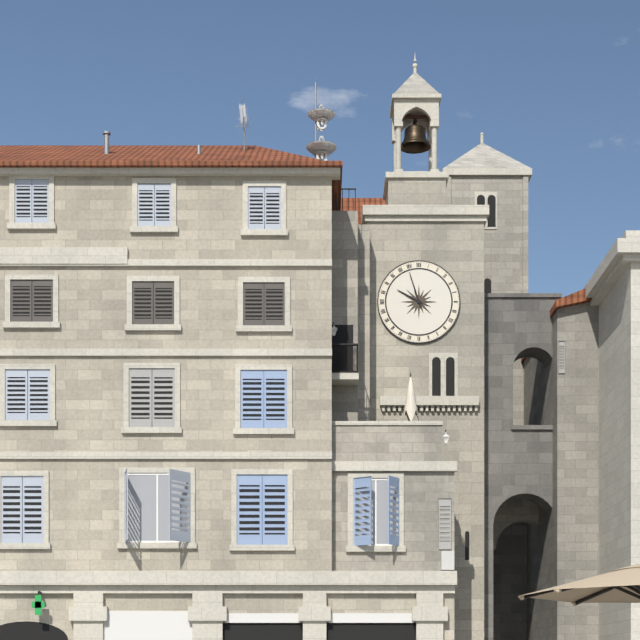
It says 9:57
